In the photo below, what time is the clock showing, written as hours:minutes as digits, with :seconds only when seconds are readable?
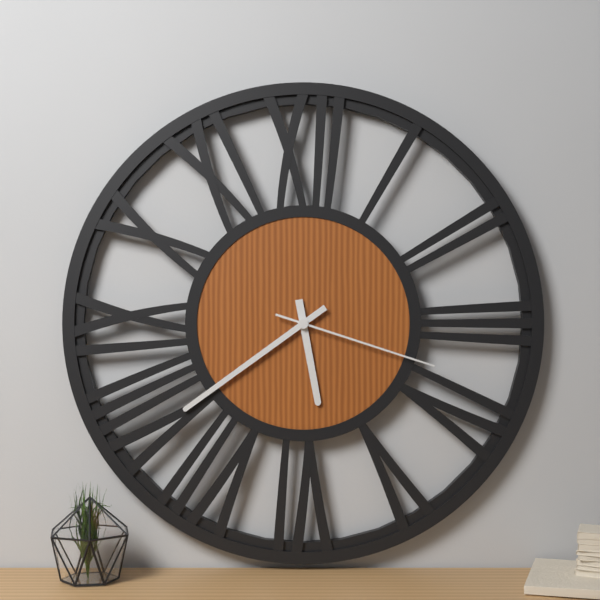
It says 5:39:18
